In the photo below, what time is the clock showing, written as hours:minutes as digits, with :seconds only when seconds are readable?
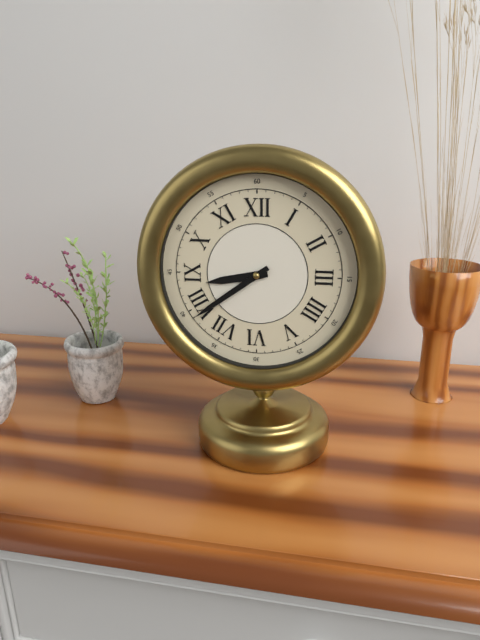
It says 8:39
